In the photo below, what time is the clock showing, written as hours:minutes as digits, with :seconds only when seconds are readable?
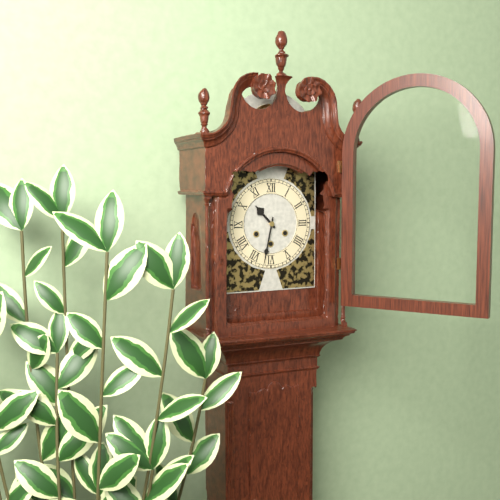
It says 10:32
